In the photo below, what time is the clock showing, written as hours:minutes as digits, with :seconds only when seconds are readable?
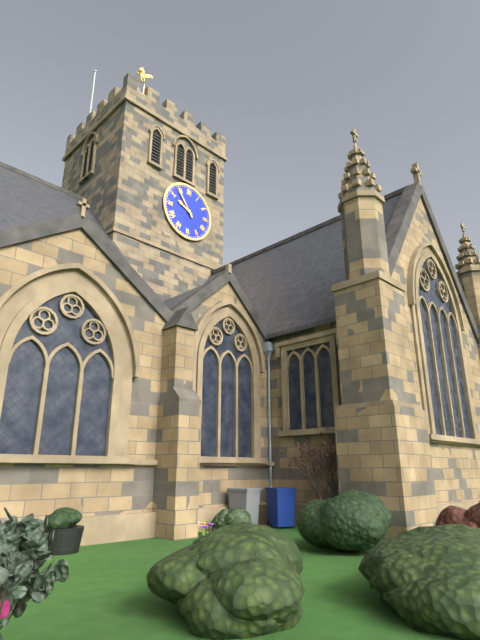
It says 9:54
